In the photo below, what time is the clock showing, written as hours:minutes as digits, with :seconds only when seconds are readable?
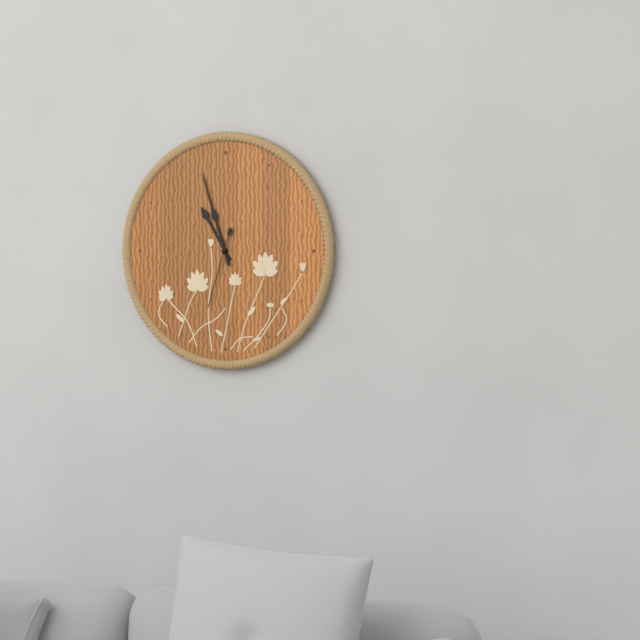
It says 10:57:33
